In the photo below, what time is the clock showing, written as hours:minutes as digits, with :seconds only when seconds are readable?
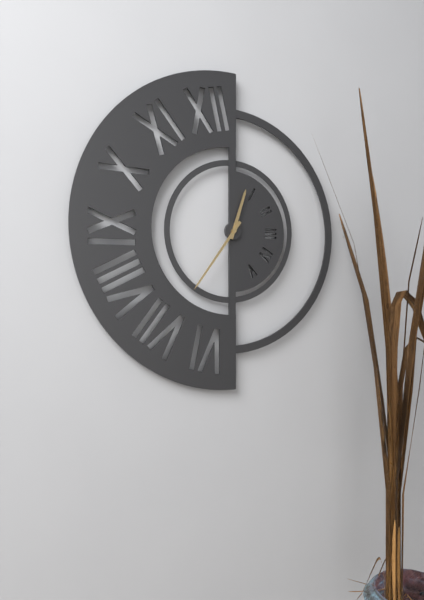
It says 12:36
